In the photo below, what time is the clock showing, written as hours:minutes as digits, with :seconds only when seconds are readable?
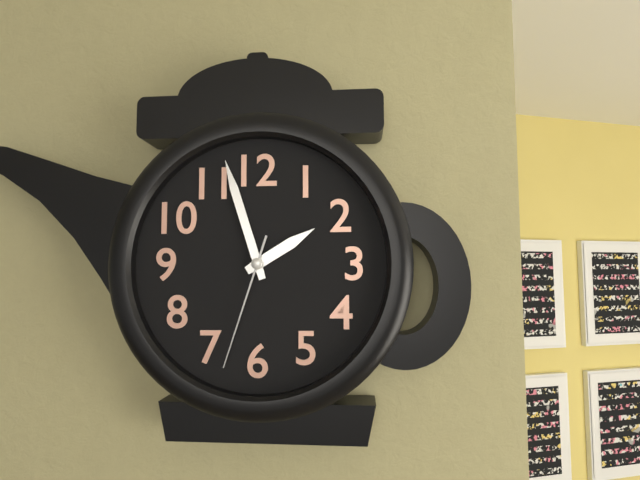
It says 1:57:33
